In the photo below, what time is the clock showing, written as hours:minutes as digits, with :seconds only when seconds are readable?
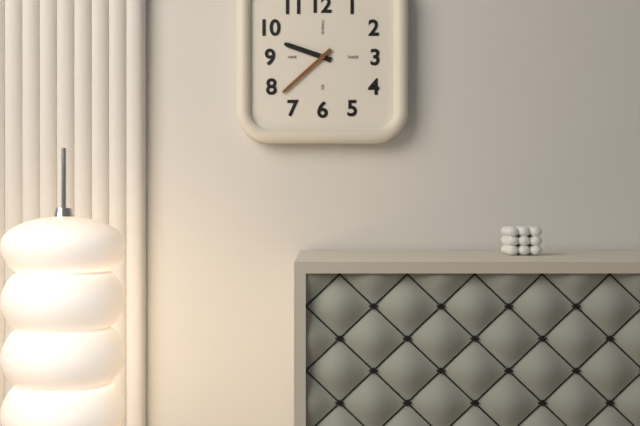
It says 9:38
